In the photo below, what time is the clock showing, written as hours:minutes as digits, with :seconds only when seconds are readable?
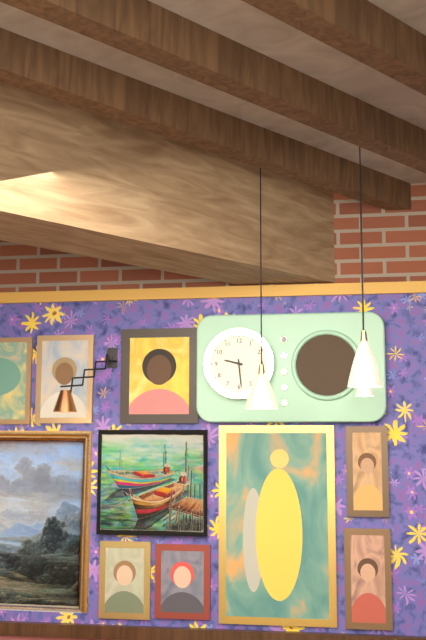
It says 9:29
